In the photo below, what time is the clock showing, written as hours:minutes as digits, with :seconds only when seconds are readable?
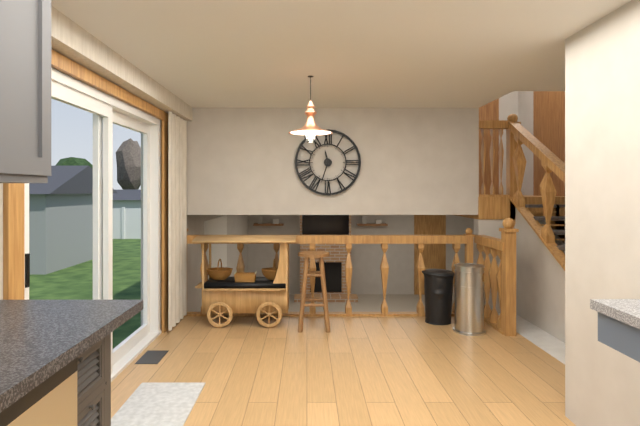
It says 11:33
